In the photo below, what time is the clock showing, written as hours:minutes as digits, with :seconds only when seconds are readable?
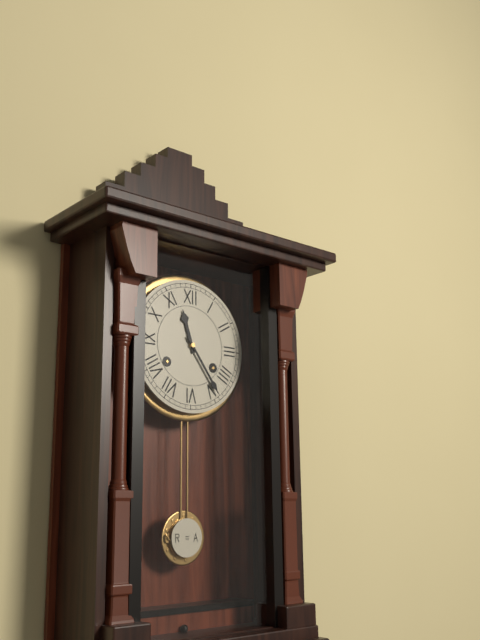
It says 11:24
